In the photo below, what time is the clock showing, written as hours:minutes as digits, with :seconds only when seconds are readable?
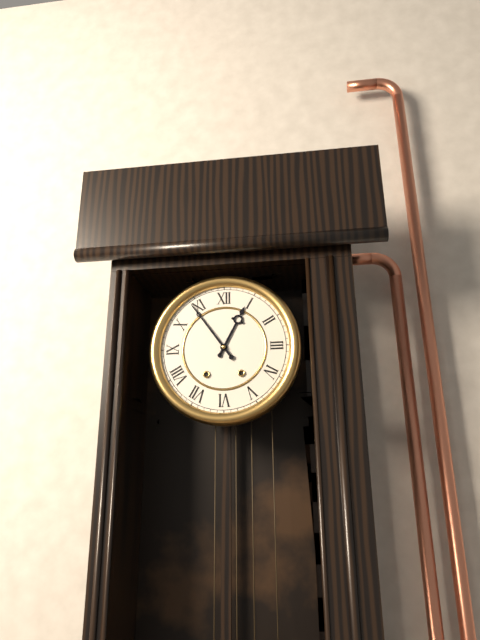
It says 12:54
